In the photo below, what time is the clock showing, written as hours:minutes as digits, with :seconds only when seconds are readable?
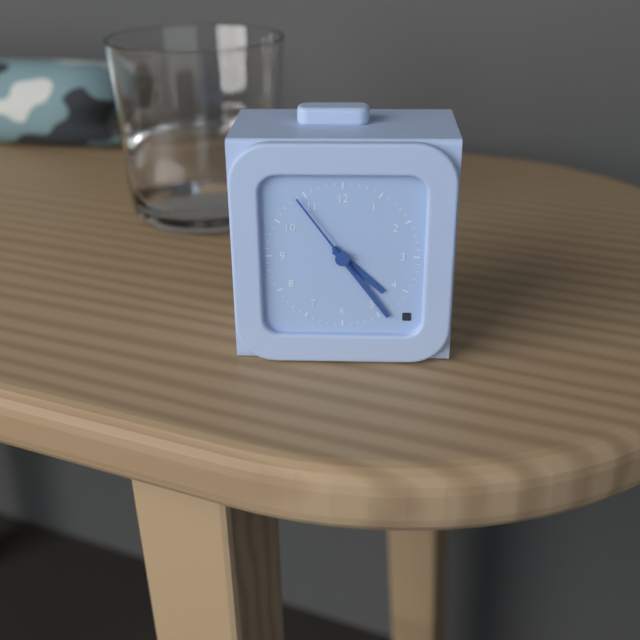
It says 4:24:54
